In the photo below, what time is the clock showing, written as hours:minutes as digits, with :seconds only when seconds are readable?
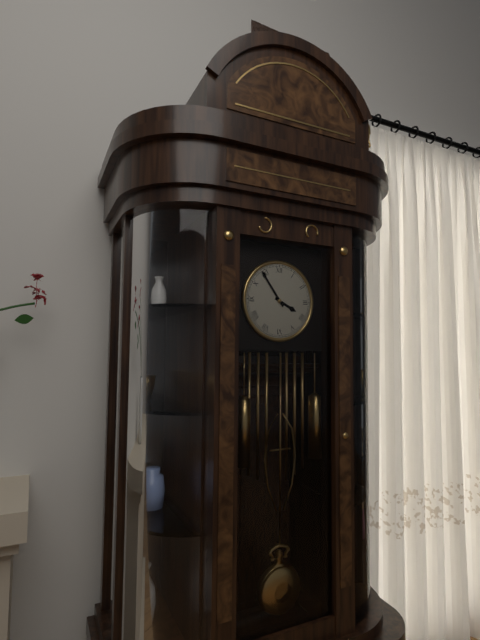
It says 3:54
